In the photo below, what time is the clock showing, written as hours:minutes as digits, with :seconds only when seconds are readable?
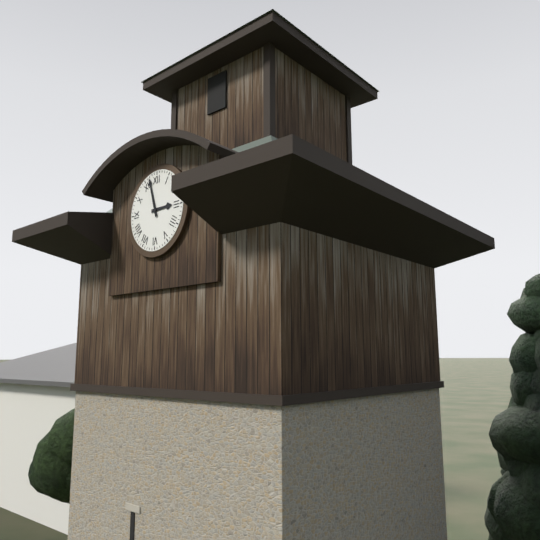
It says 2:57
